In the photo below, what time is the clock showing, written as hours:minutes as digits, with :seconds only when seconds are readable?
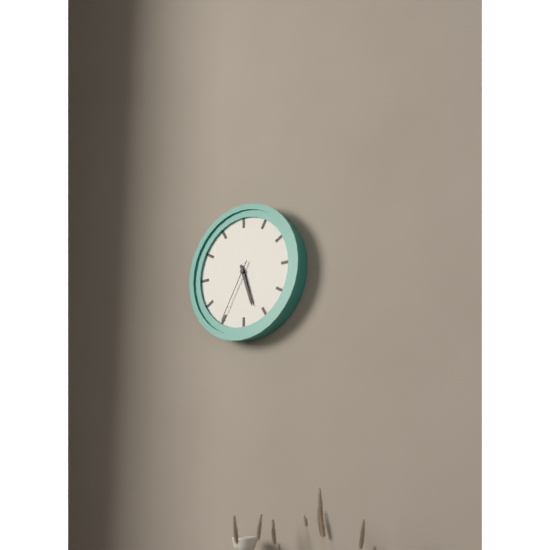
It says 5:27:35
